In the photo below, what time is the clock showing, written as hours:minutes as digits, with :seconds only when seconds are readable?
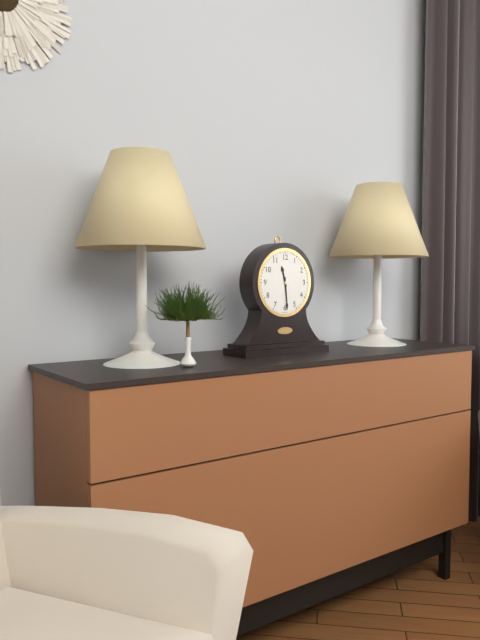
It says 11:29
